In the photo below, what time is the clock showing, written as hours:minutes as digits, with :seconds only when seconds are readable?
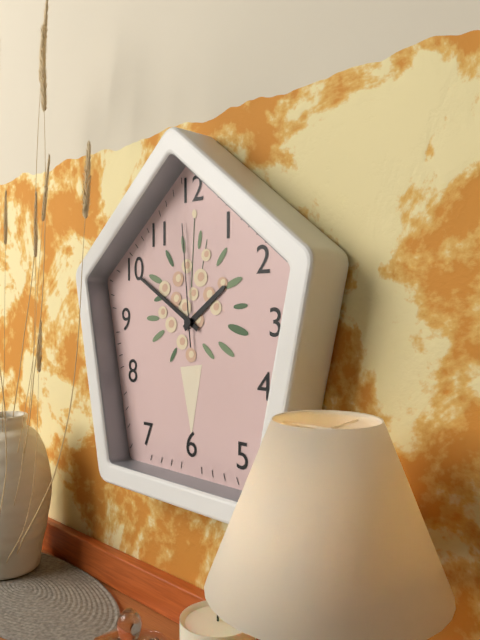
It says 1:50:59
